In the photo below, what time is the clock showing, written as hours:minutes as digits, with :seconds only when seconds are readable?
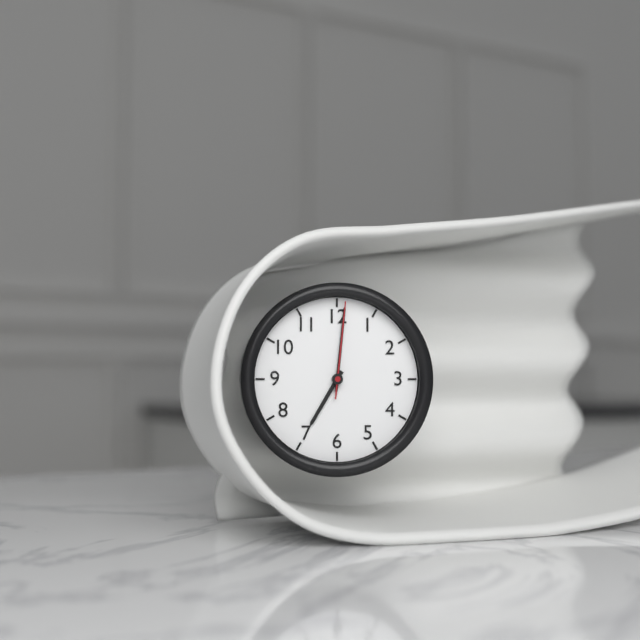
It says 7:01:01
